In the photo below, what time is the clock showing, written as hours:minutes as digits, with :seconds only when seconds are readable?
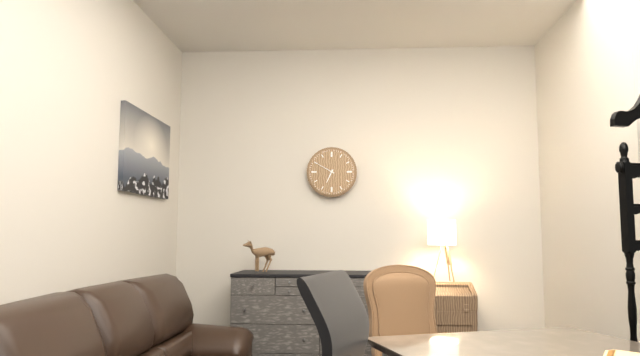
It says 6:50
